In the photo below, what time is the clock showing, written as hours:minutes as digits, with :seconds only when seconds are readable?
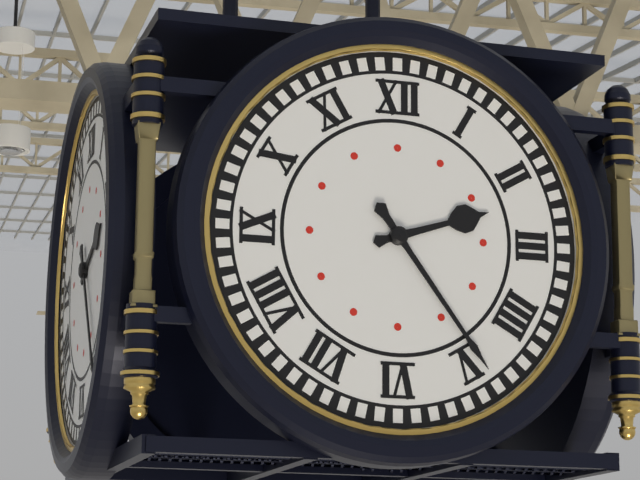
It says 2:24
